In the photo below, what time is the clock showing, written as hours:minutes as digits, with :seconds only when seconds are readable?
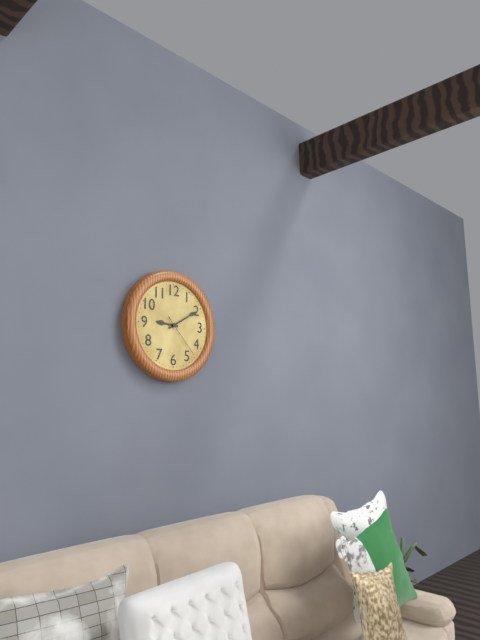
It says 9:10
